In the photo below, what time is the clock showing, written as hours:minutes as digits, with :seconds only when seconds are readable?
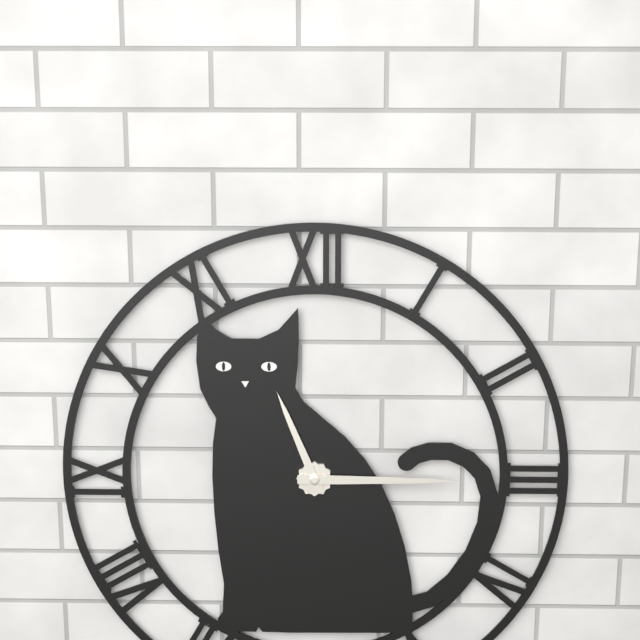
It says 11:15
